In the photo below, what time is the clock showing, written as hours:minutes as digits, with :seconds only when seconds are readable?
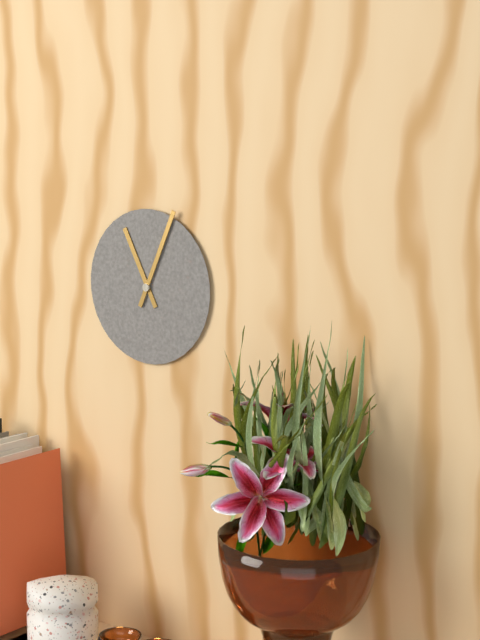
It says 11:04
